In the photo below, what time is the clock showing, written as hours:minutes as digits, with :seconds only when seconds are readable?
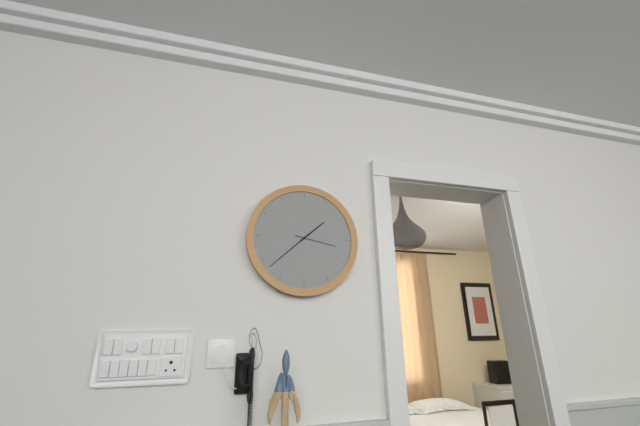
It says 1:38
